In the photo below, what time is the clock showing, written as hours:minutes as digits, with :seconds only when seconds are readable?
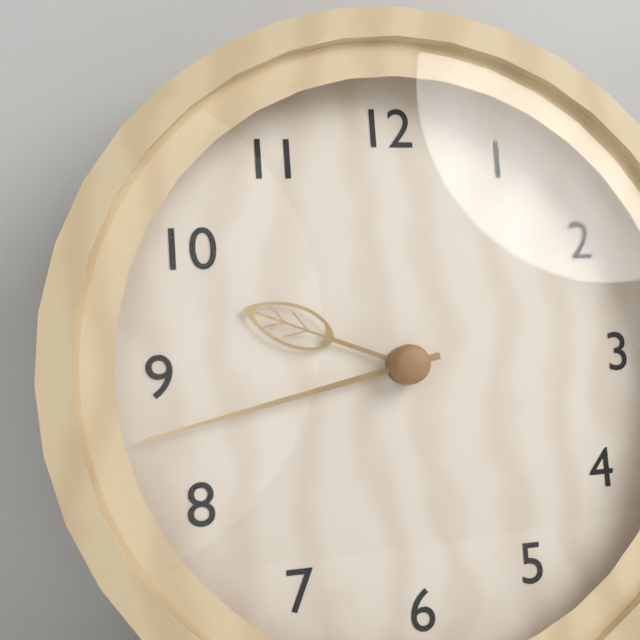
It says 9:43
